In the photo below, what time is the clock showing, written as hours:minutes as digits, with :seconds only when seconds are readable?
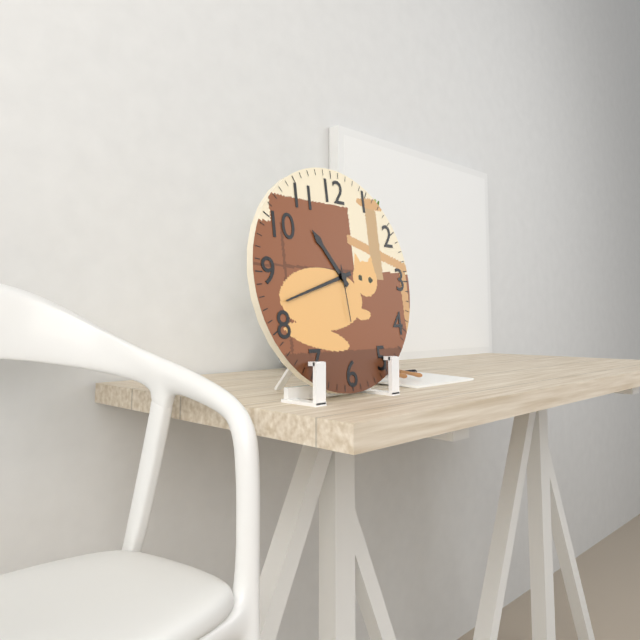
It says 10:42:29
